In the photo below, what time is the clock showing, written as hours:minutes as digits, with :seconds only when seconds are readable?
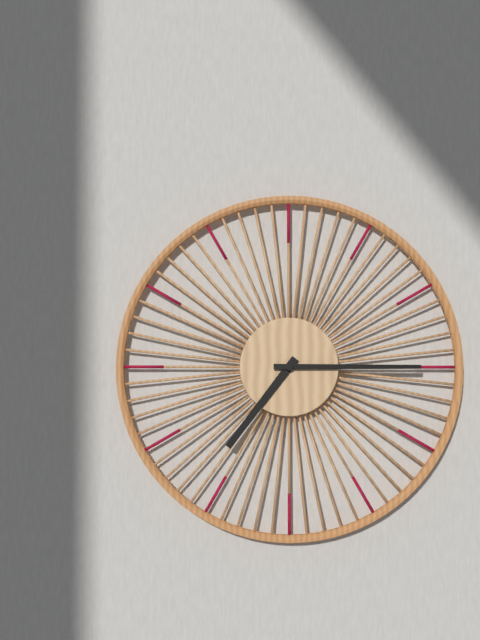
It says 7:15
